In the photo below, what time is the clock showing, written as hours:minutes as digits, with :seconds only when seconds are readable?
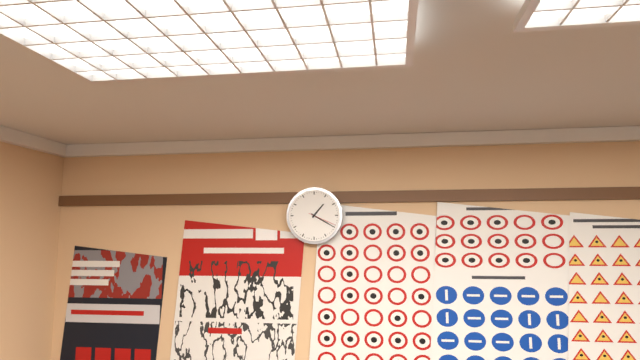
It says 1:20
